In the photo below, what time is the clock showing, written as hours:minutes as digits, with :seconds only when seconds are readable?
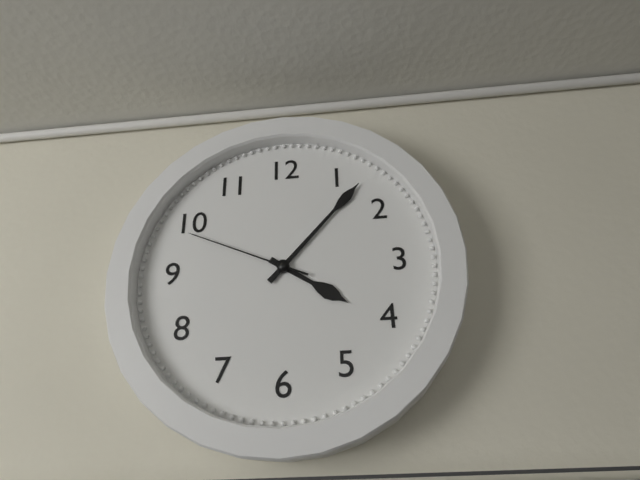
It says 4:07:49
